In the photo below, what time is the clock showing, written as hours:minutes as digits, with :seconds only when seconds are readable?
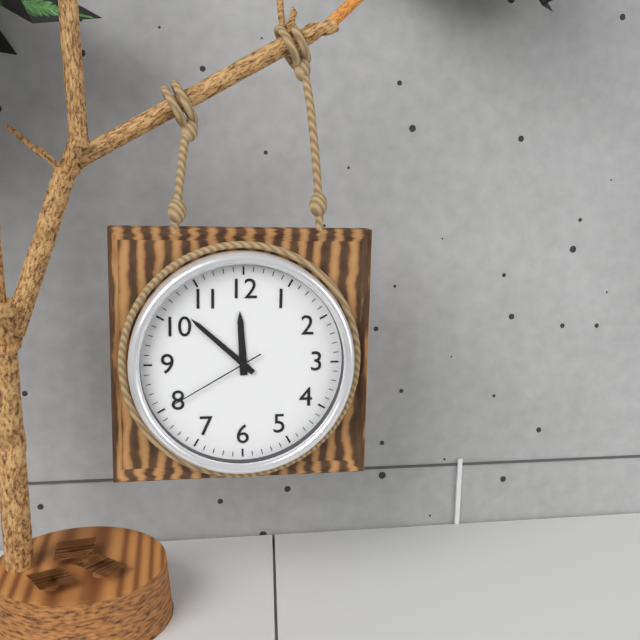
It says 11:52:40
